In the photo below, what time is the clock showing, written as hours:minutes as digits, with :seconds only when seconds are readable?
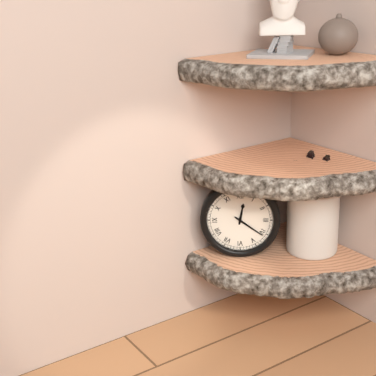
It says 12:21
